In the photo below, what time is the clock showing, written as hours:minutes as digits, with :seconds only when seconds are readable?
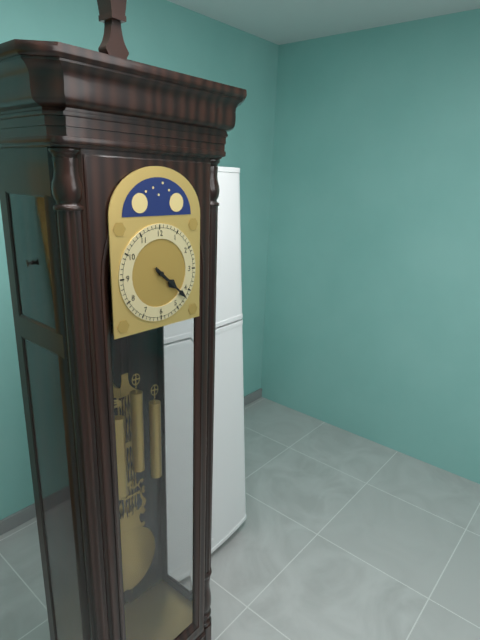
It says 4:22
